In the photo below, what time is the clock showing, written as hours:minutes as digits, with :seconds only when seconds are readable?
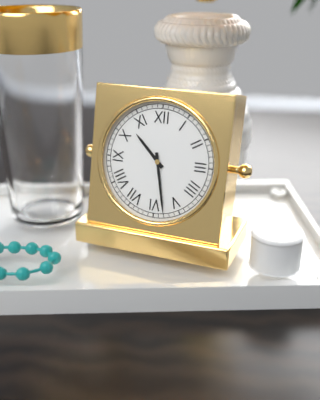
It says 10:28
